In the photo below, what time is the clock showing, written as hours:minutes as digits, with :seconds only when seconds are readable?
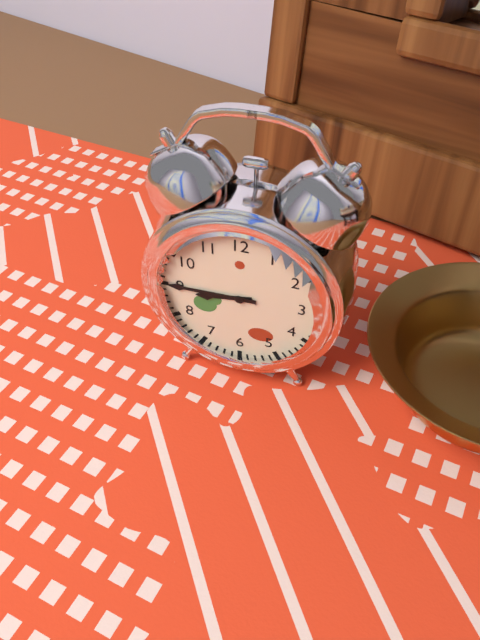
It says 8:45
